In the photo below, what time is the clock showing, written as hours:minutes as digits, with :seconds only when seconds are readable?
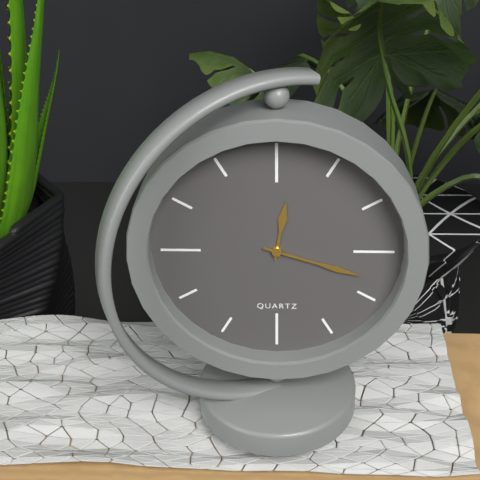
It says 12:18
